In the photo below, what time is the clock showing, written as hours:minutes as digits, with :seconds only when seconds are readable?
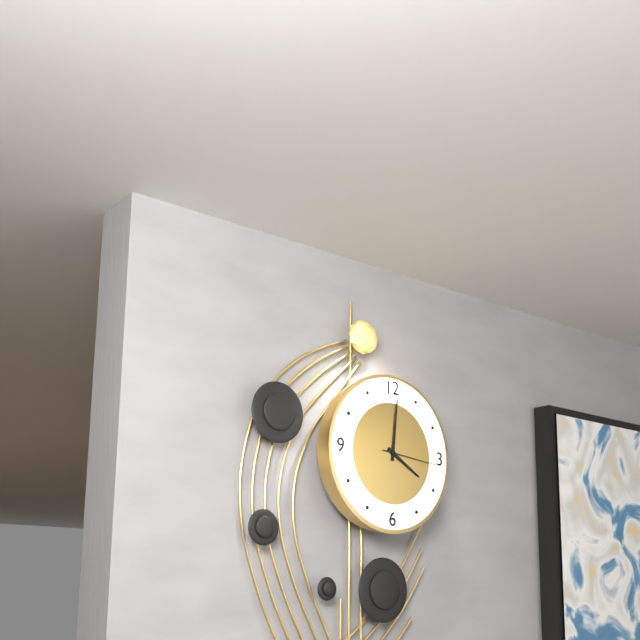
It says 4:01:16
